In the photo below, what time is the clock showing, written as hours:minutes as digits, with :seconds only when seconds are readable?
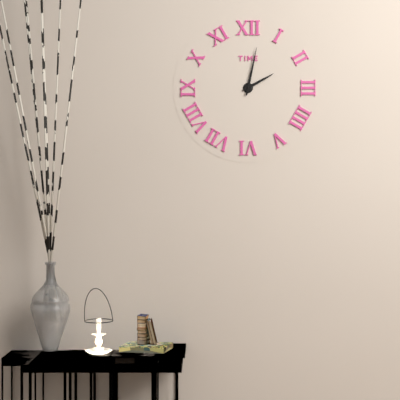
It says 2:02
